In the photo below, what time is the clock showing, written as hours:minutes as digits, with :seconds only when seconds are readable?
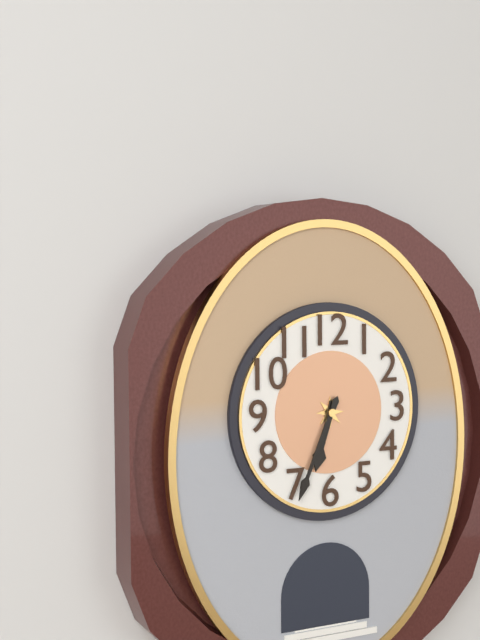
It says 6:34
